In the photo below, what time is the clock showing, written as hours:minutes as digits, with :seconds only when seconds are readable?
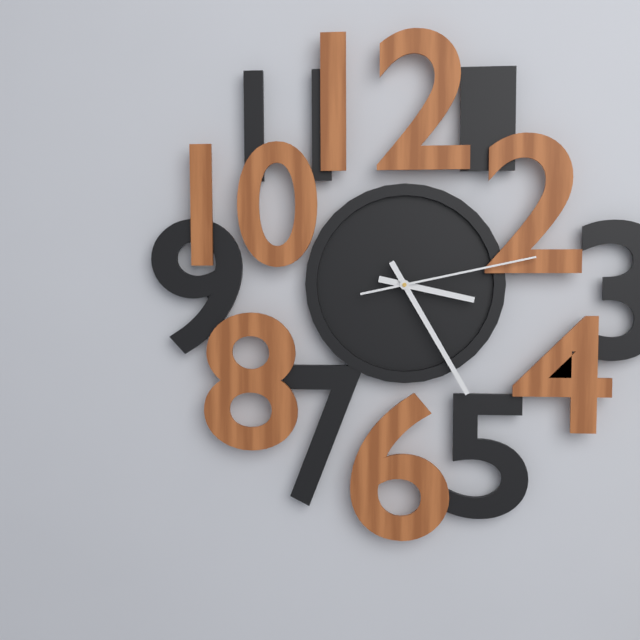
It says 3:25:13
